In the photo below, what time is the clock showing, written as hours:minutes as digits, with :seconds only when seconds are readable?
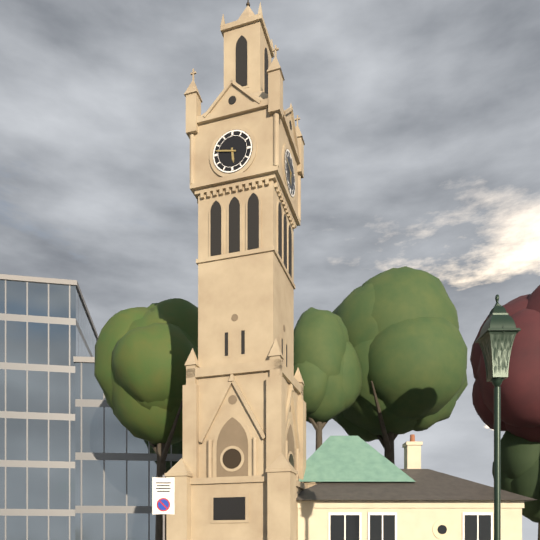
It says 5:47
